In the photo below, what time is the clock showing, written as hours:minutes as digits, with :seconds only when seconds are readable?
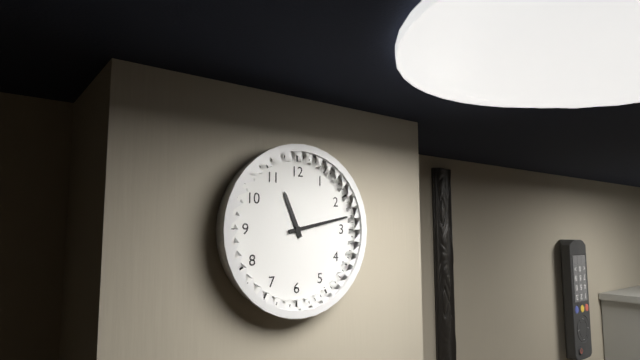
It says 11:13
